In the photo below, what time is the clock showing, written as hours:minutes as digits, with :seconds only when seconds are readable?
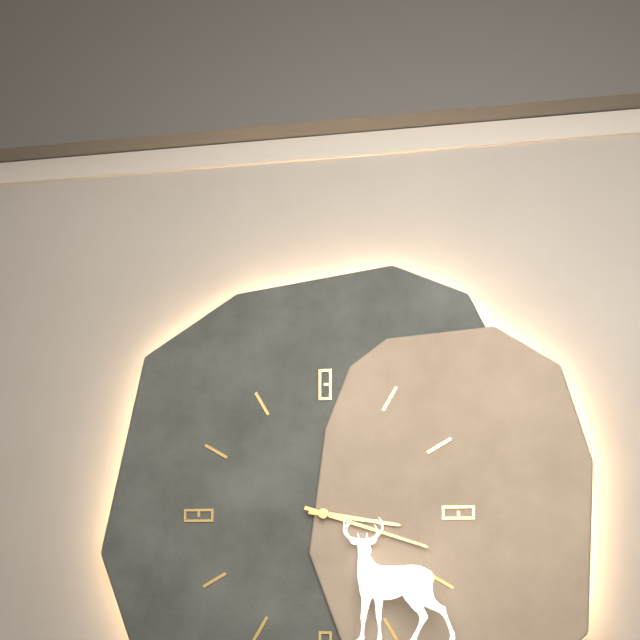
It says 3:18
